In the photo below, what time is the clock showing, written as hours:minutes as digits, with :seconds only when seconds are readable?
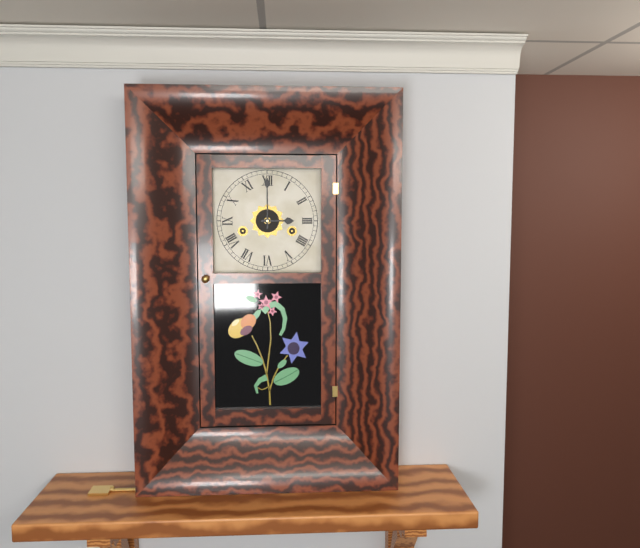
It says 3:00
